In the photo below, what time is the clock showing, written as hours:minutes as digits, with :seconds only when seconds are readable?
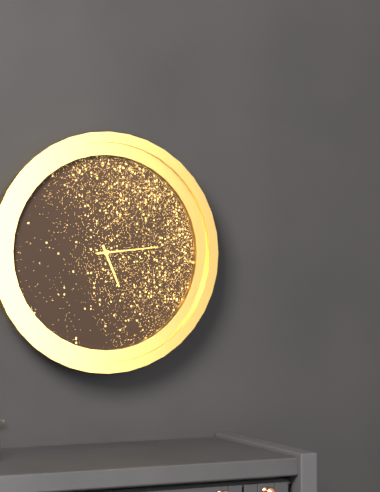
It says 5:14
